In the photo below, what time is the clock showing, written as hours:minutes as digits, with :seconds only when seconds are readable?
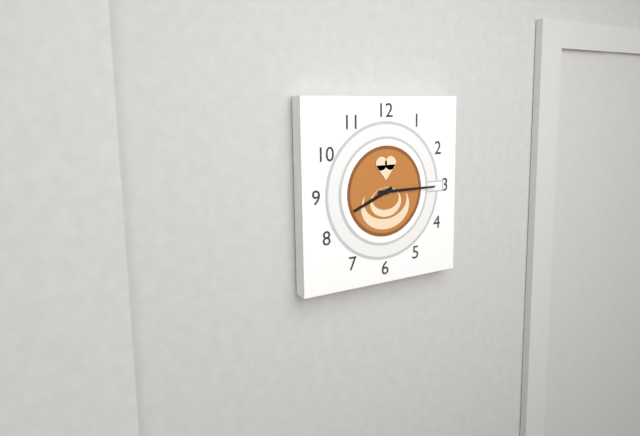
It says 8:15
